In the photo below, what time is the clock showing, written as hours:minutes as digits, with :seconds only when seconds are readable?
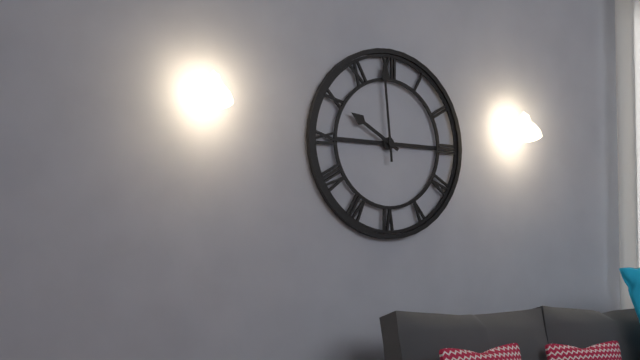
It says 9:59
